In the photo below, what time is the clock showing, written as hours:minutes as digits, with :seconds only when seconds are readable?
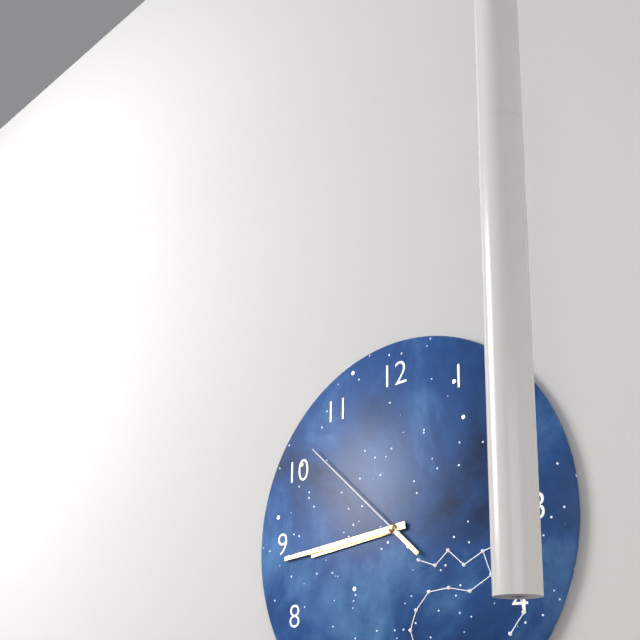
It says 8:44:52
